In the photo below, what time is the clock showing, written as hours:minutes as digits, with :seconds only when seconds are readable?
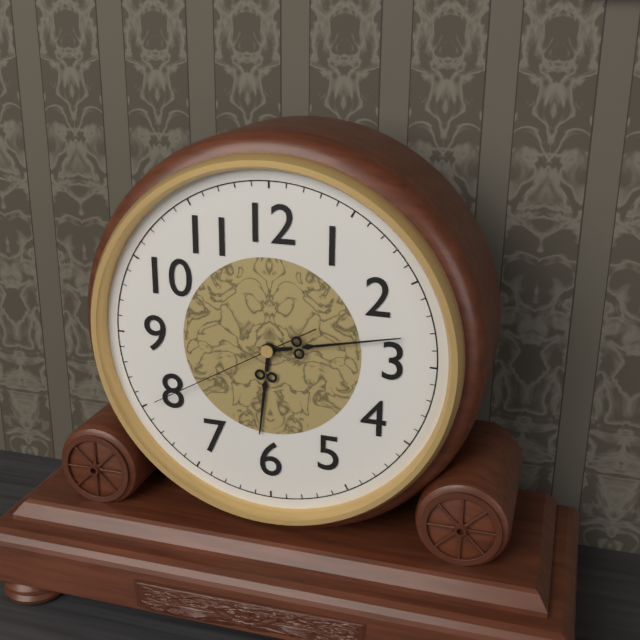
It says 6:13:40
